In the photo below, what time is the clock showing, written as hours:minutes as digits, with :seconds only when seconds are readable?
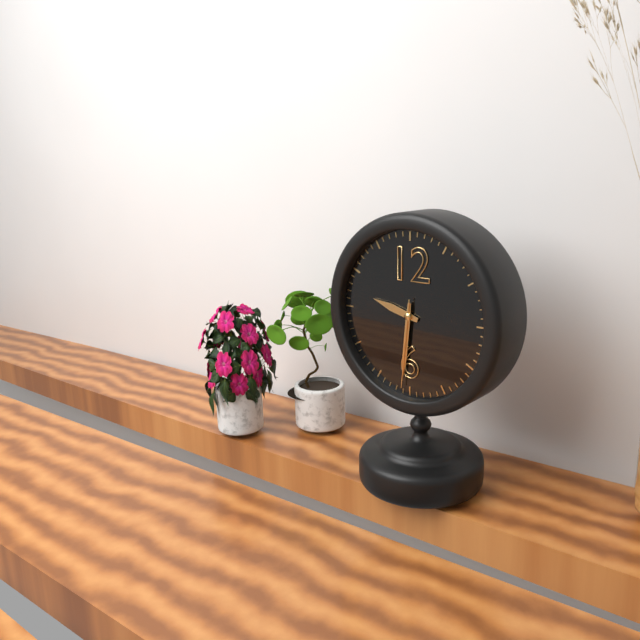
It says 9:31:31
